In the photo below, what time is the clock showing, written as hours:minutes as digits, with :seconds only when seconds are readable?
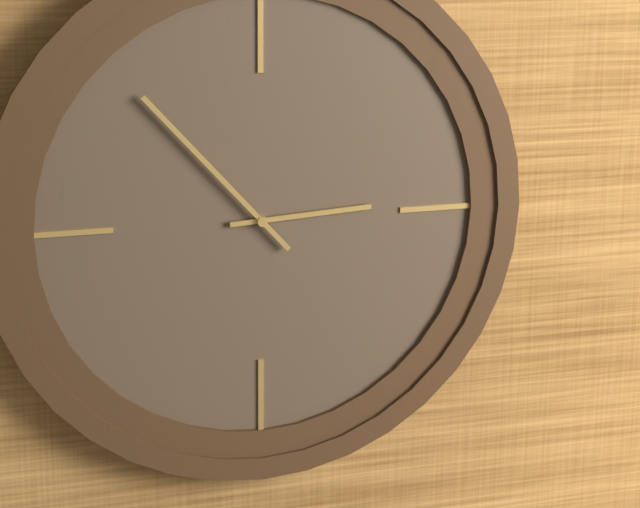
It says 2:53
